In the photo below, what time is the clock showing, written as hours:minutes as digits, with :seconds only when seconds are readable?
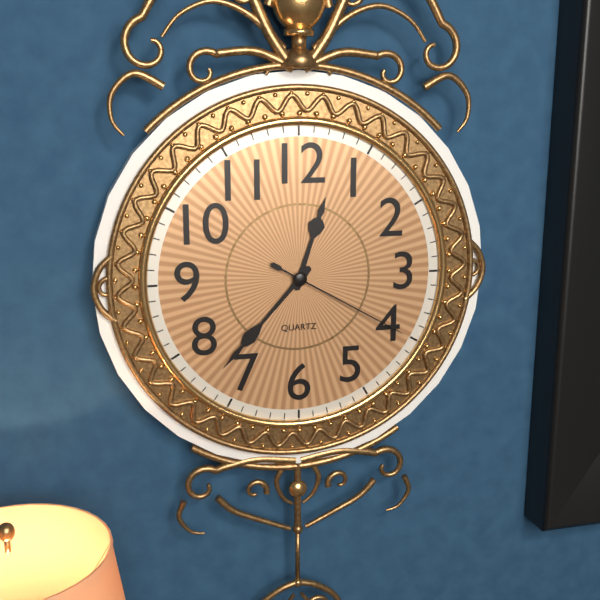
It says 12:37:20
